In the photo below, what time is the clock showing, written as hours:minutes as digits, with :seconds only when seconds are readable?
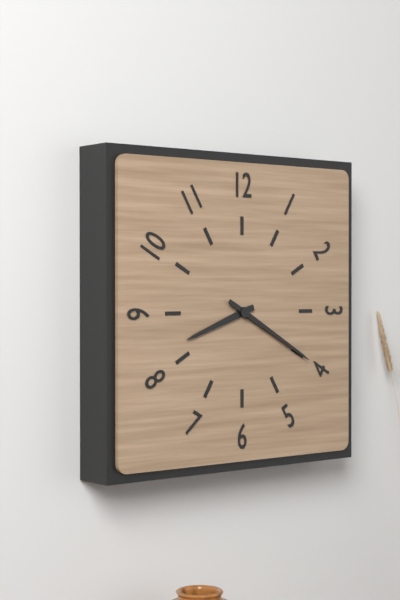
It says 8:20
